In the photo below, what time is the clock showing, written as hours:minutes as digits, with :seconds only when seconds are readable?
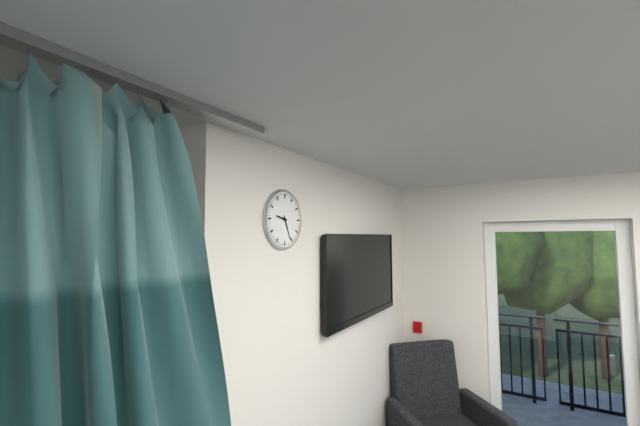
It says 9:26
